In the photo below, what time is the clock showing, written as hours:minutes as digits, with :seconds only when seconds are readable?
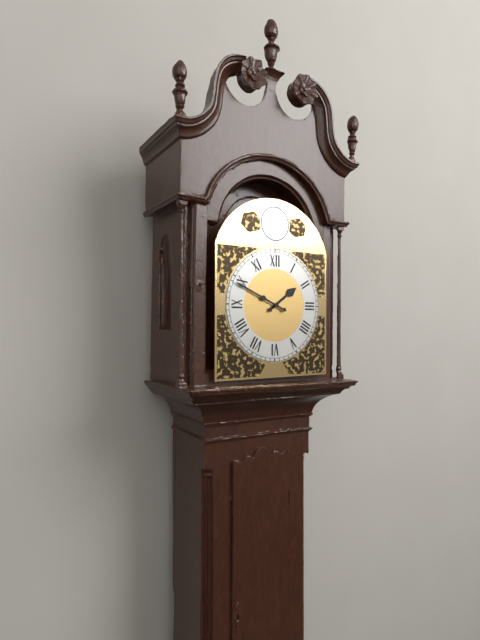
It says 1:49
